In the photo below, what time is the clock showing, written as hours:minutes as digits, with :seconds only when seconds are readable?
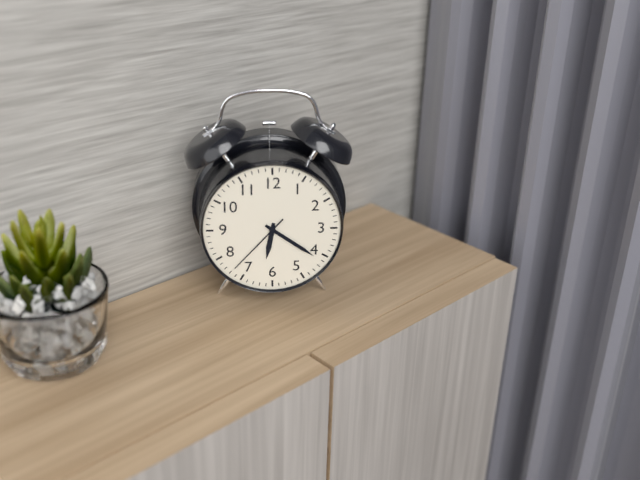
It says 6:21:37
